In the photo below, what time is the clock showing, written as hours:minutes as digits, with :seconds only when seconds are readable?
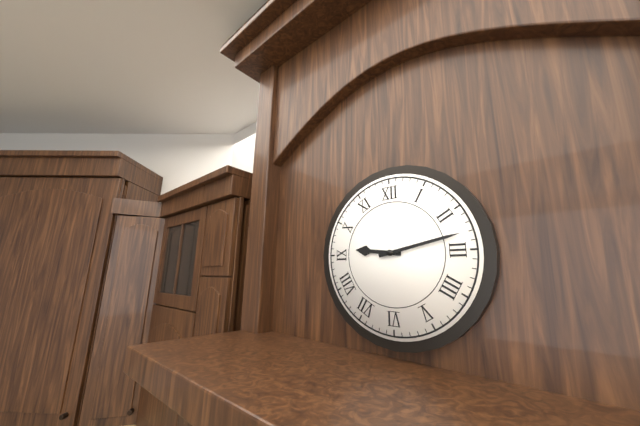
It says 9:13
